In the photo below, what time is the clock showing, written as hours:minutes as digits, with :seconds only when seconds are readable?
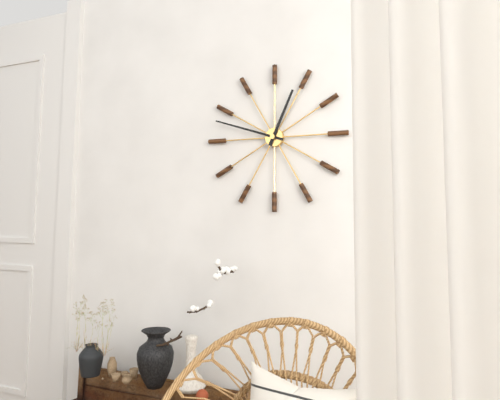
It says 12:48
